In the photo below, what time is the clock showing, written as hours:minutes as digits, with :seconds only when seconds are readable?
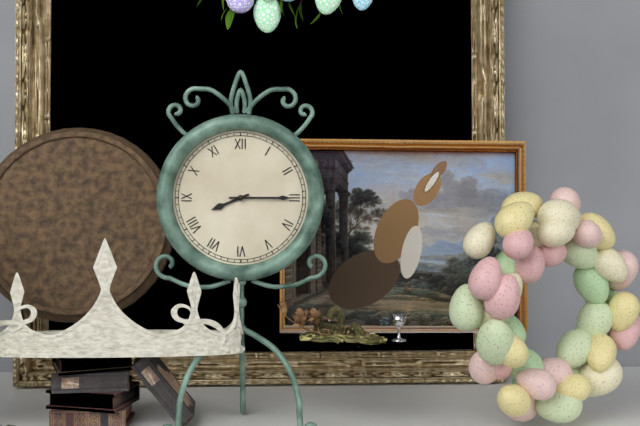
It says 8:15
